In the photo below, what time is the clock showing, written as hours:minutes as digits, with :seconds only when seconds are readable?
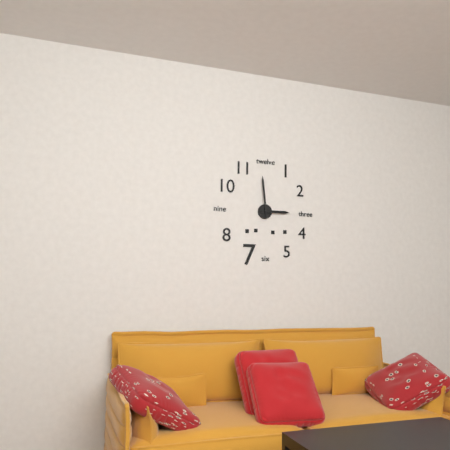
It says 2:59
